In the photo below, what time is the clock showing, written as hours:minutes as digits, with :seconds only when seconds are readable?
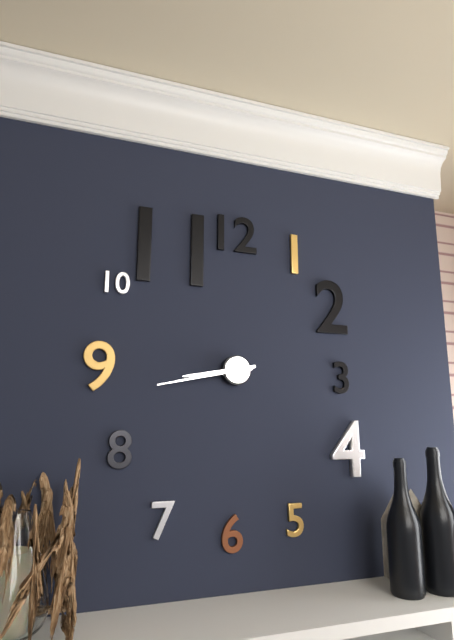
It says 8:43
